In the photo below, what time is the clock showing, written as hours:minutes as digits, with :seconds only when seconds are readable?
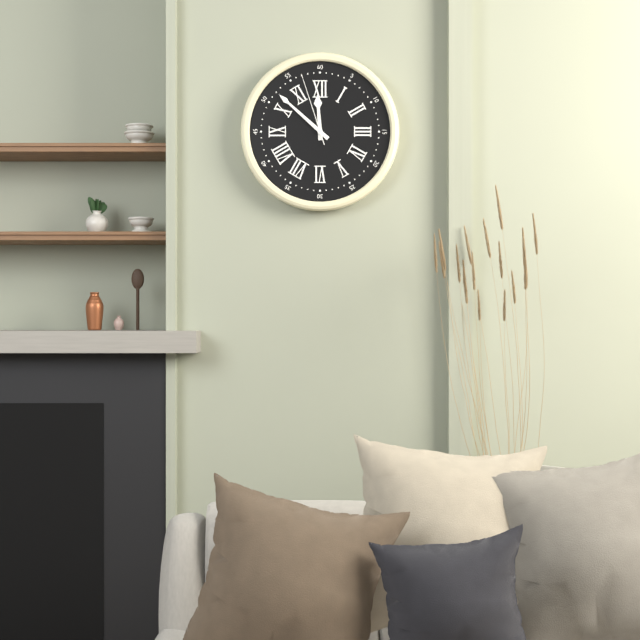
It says 11:52:57
